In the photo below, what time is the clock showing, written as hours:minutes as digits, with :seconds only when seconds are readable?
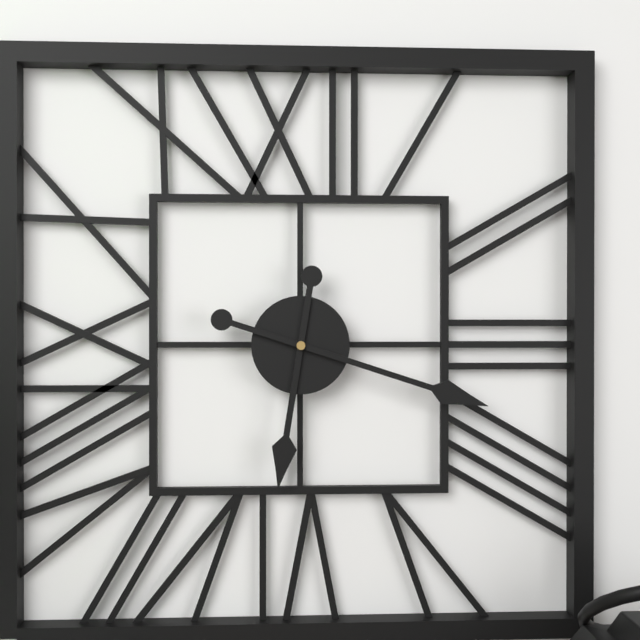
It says 6:18
